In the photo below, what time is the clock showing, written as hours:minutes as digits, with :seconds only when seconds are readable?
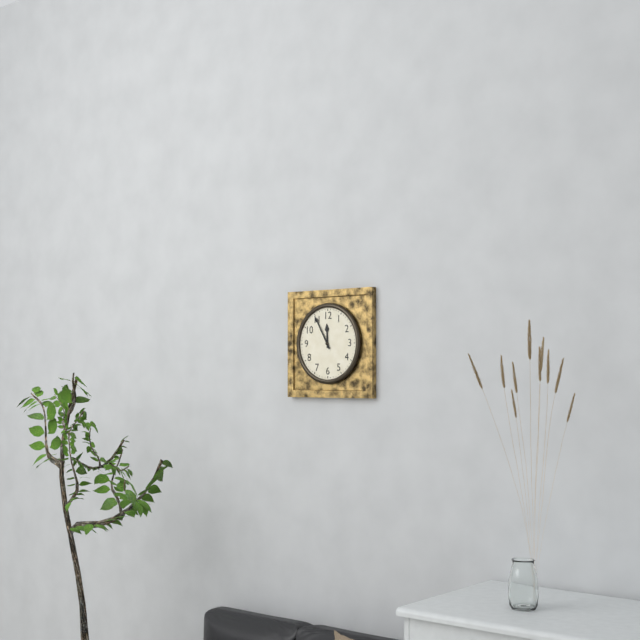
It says 11:55
